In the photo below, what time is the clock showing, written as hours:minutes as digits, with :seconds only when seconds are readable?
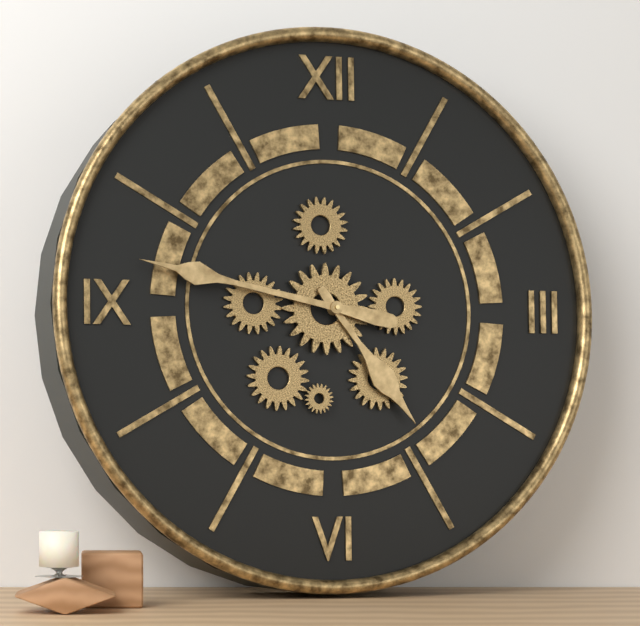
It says 4:47
